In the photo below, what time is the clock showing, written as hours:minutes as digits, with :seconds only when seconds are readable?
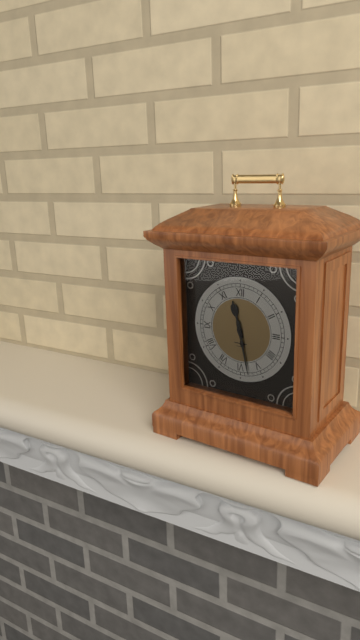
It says 11:28
